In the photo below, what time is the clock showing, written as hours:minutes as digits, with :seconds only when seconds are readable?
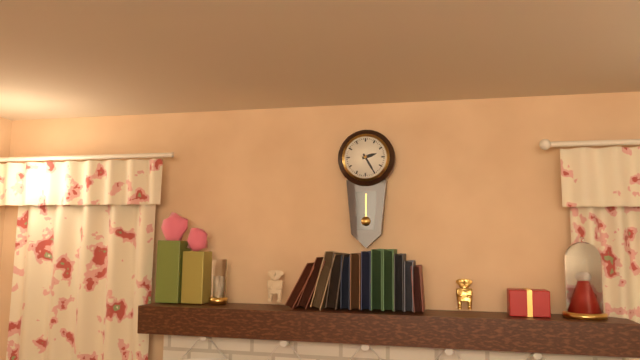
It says 2:25
